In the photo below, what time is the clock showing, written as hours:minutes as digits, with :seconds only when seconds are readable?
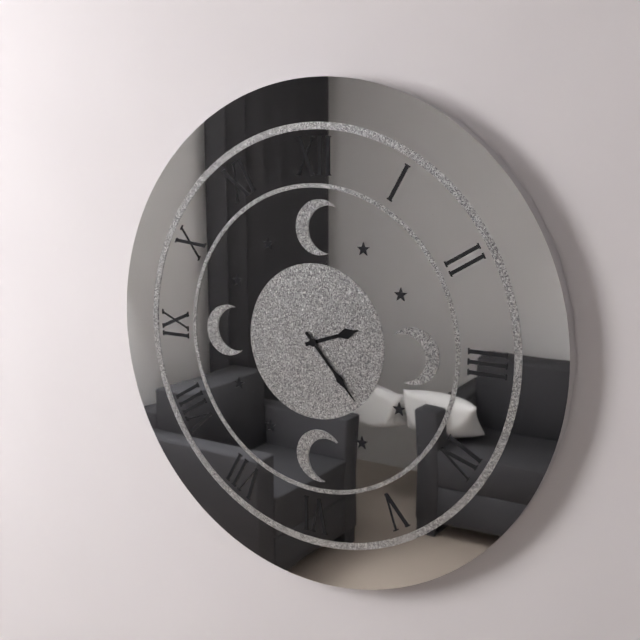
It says 2:23
